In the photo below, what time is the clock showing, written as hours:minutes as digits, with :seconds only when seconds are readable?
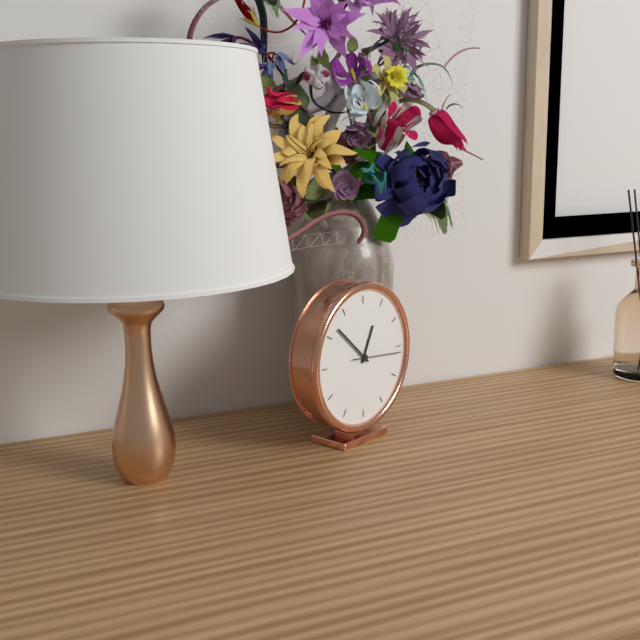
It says 12:52
